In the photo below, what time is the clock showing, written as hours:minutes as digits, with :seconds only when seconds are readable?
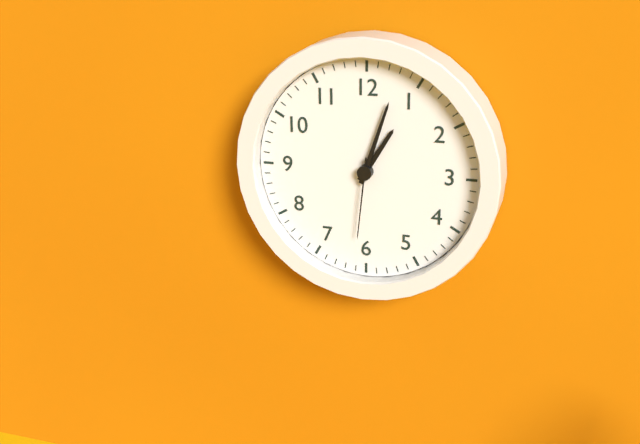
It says 1:03:31
